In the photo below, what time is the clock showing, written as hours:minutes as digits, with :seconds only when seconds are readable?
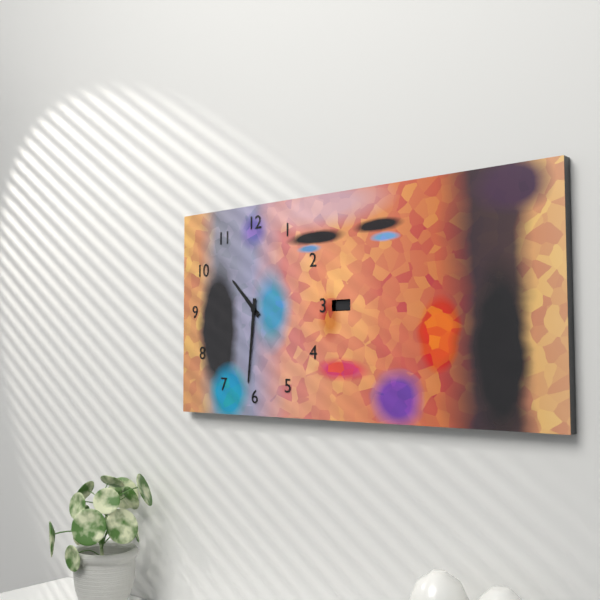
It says 10:31
